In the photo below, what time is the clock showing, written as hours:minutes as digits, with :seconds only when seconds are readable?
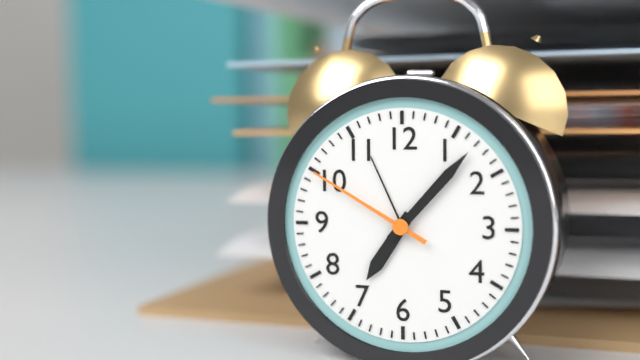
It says 7:07:50
